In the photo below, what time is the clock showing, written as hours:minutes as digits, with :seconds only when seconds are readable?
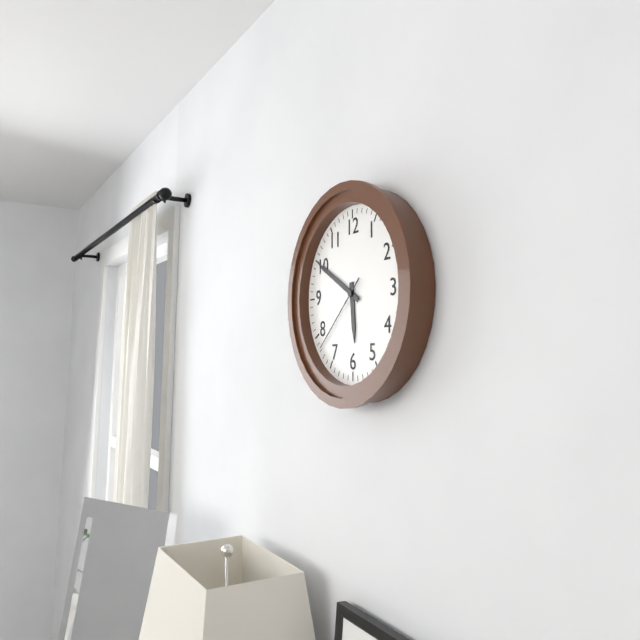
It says 5:50:38
